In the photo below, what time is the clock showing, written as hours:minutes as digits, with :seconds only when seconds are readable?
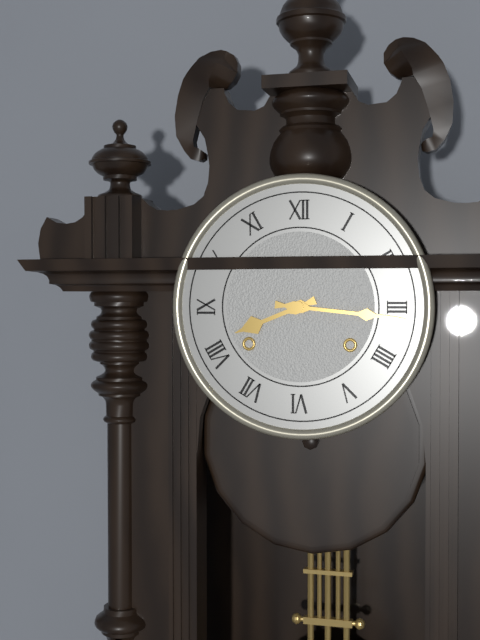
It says 8:16
